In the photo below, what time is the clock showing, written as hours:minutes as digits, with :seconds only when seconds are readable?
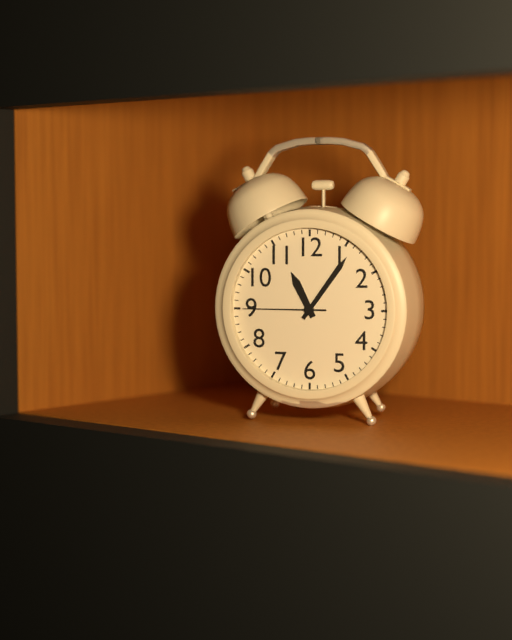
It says 11:06:45
